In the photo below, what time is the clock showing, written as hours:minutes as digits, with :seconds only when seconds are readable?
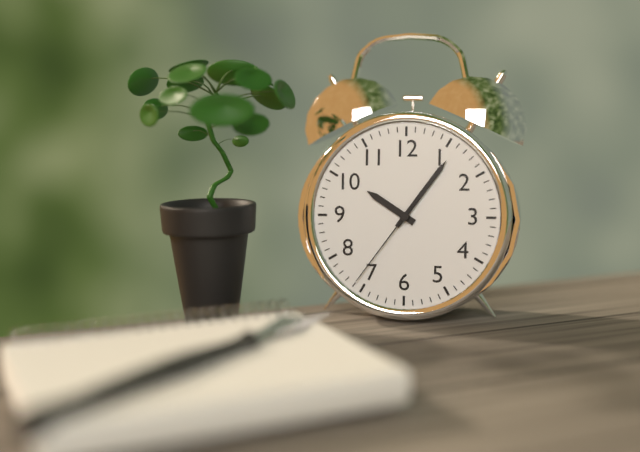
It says 10:06:36
